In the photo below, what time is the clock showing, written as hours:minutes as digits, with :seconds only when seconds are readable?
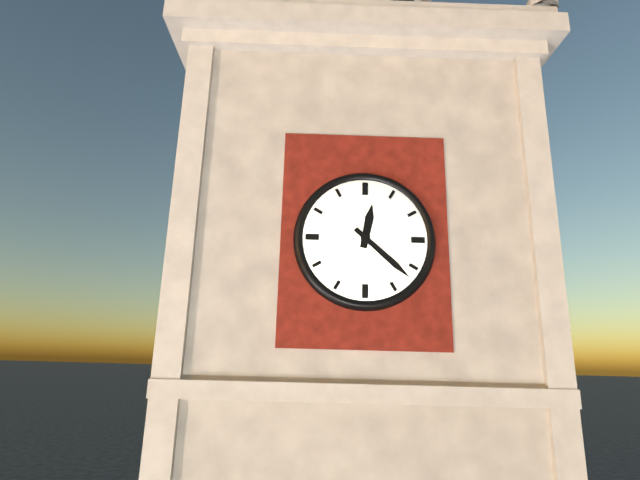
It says 12:22
